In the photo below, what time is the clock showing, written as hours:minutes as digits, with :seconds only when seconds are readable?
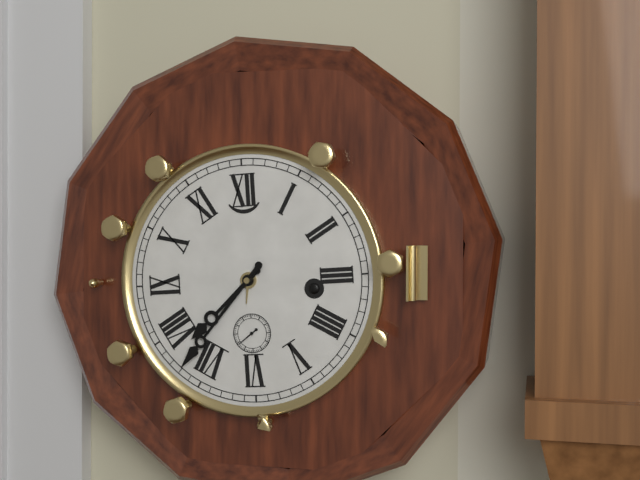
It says 7:37
